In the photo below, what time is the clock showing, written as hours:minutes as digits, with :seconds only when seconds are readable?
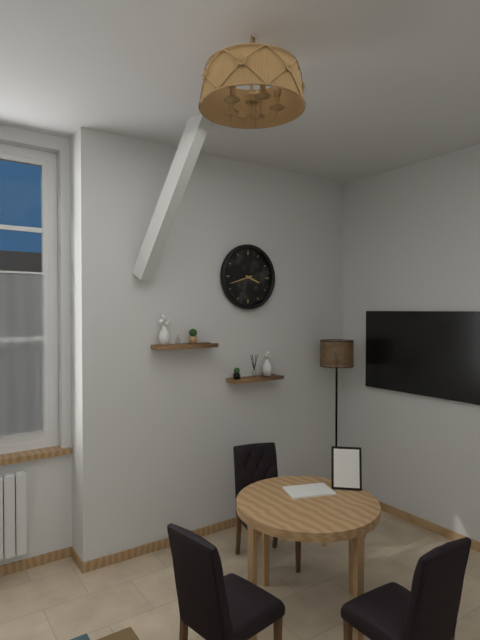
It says 3:42
